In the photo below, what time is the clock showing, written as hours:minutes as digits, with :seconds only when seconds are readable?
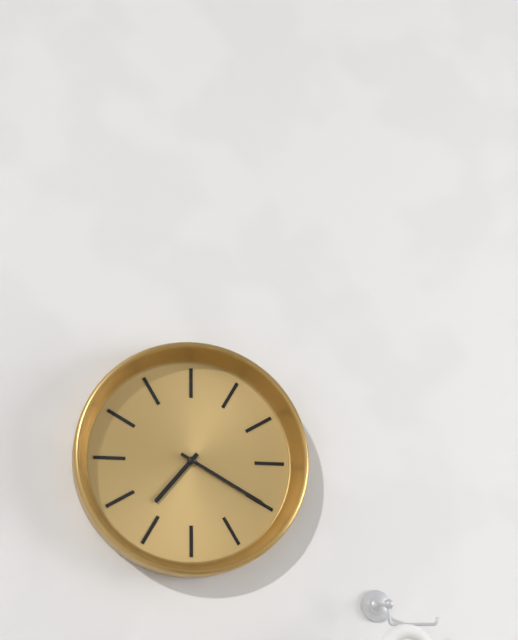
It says 7:20
